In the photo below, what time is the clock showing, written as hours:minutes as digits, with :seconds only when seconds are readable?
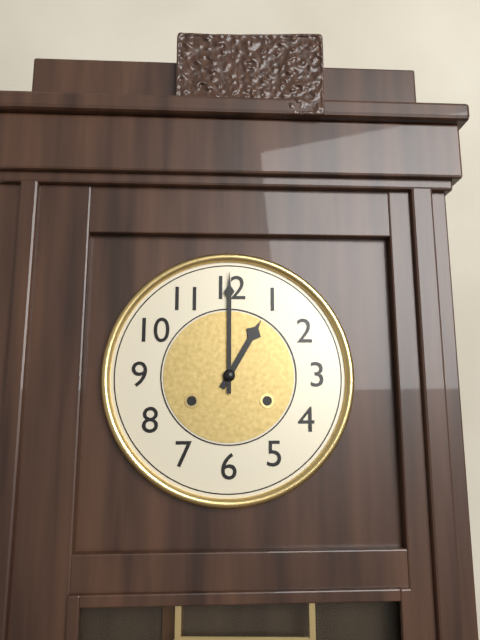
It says 1:00
